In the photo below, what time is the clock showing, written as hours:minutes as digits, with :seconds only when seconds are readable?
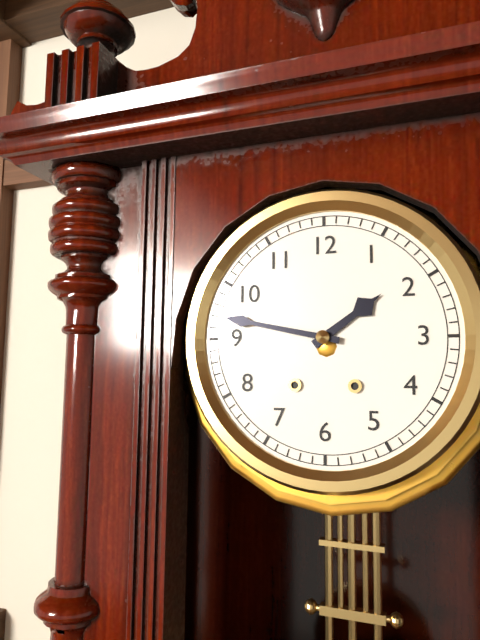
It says 1:47
